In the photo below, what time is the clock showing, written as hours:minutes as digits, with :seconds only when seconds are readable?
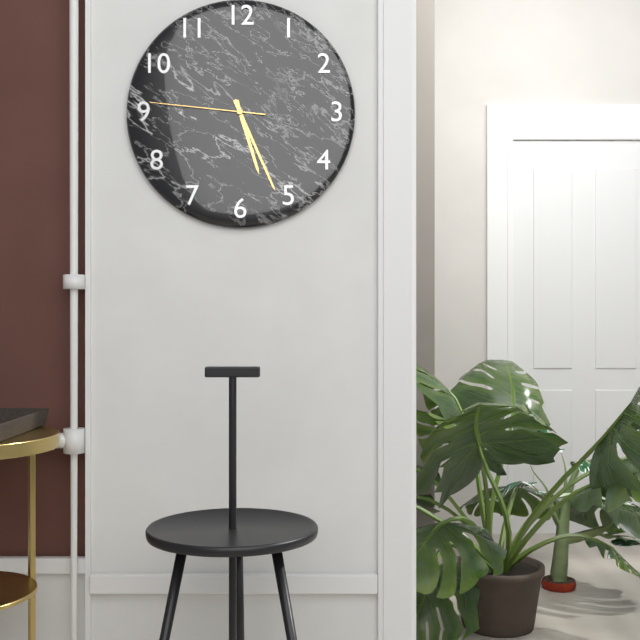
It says 5:26:46
